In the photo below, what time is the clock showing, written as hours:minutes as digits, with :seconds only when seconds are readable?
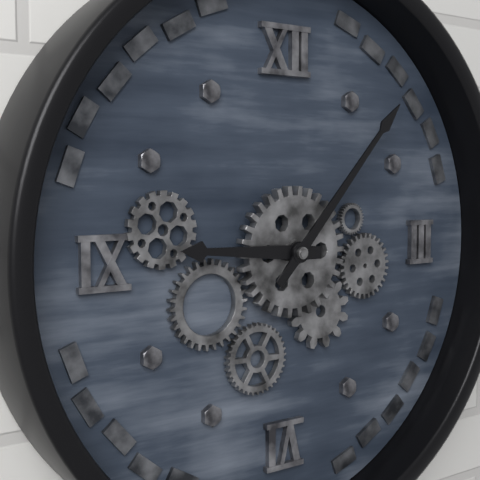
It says 9:07
